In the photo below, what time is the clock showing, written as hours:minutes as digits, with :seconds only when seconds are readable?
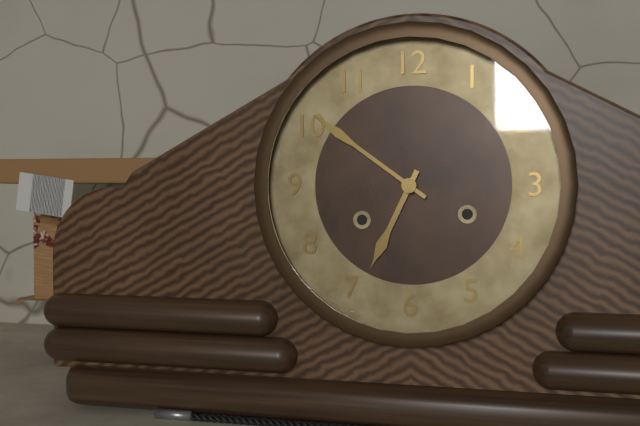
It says 6:51
